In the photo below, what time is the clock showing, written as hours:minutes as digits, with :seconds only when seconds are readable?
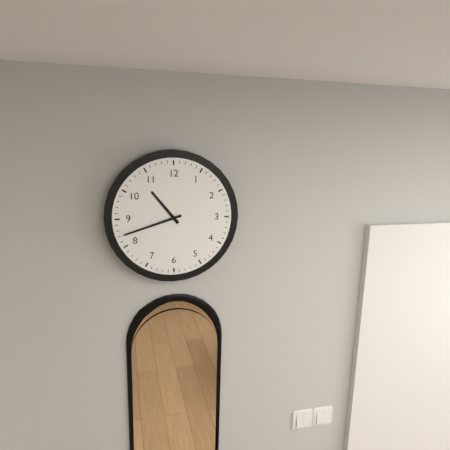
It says 10:42
